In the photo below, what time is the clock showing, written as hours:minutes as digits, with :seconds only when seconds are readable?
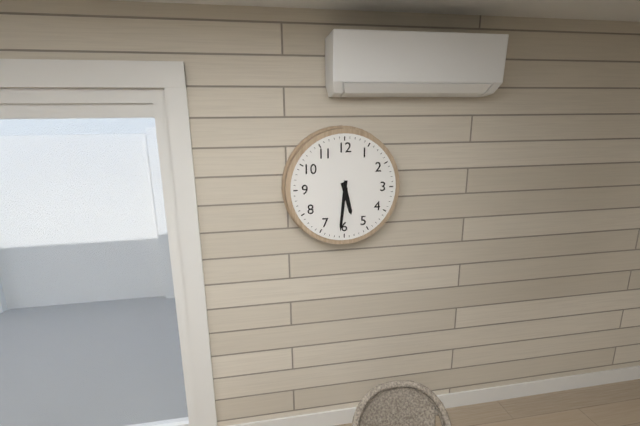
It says 5:31
